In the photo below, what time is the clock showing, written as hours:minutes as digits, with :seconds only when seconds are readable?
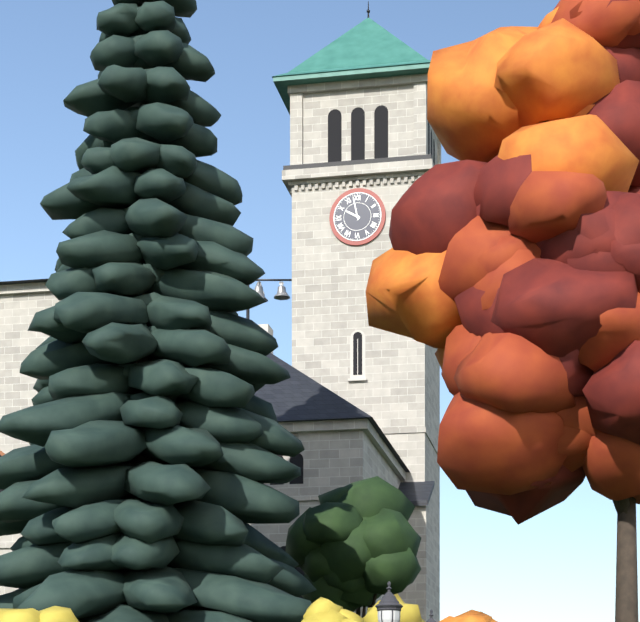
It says 9:58
